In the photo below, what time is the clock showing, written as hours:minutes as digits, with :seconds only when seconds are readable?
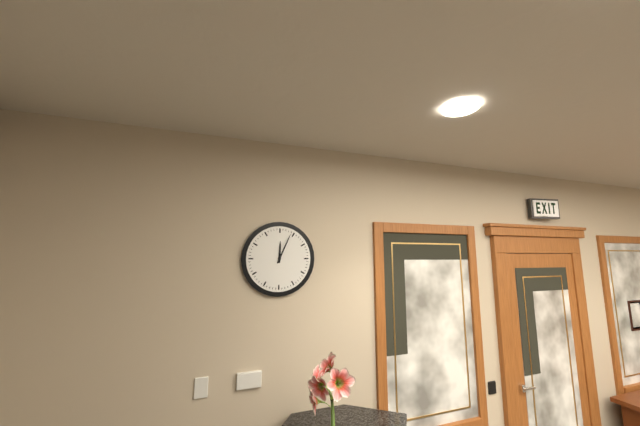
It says 12:04
